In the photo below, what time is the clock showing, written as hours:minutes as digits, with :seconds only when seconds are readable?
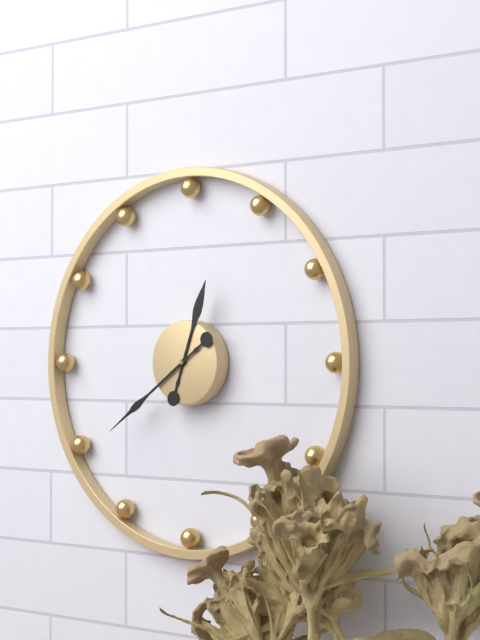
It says 12:39
